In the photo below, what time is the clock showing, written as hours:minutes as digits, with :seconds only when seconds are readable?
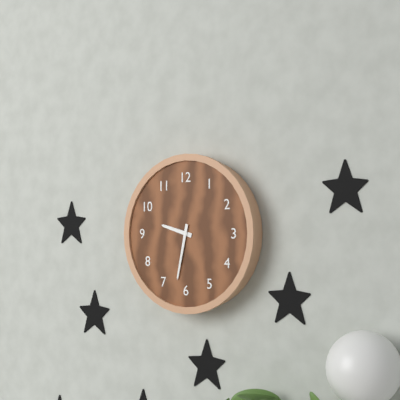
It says 9:32
